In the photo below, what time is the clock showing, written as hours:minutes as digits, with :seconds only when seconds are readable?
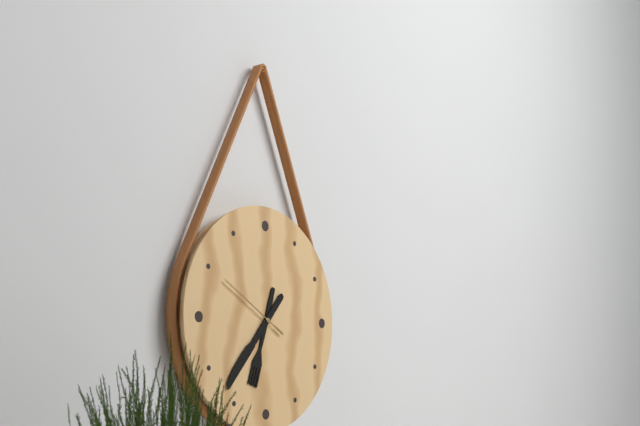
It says 6:37:50
